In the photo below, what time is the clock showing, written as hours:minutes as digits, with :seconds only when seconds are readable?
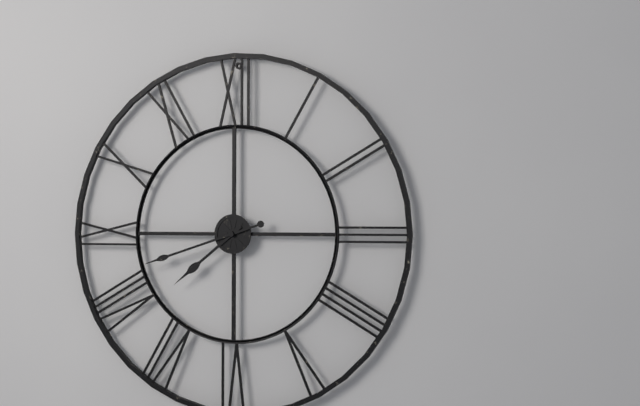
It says 7:42
